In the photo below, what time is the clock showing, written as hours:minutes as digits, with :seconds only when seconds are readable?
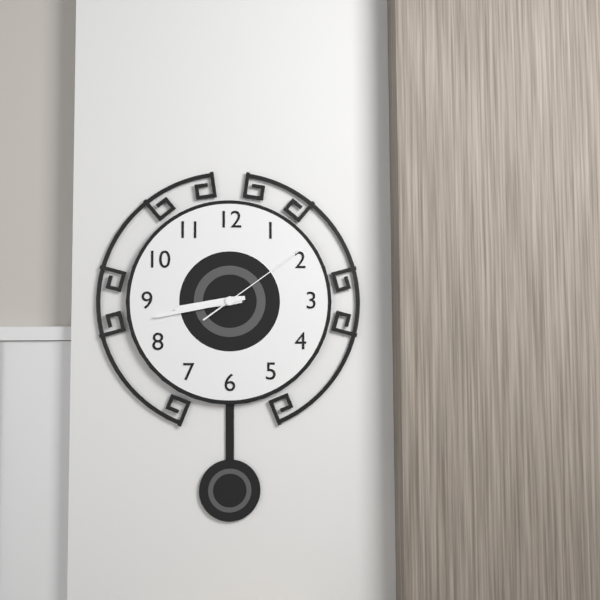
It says 8:43:09
